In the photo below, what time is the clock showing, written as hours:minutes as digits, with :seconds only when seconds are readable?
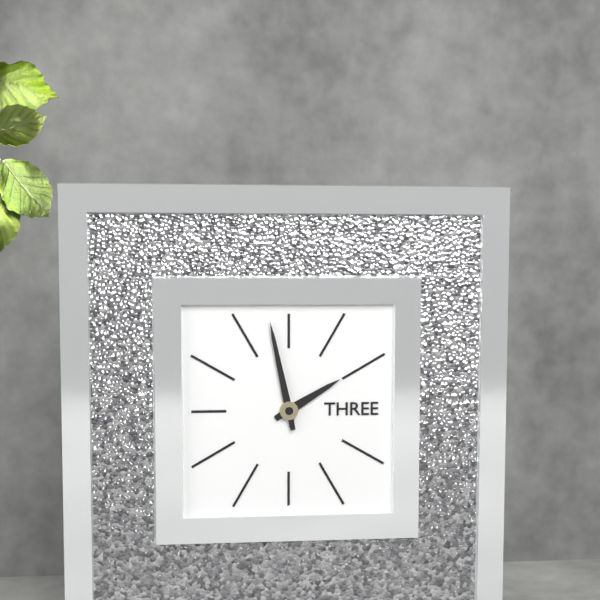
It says 1:58
